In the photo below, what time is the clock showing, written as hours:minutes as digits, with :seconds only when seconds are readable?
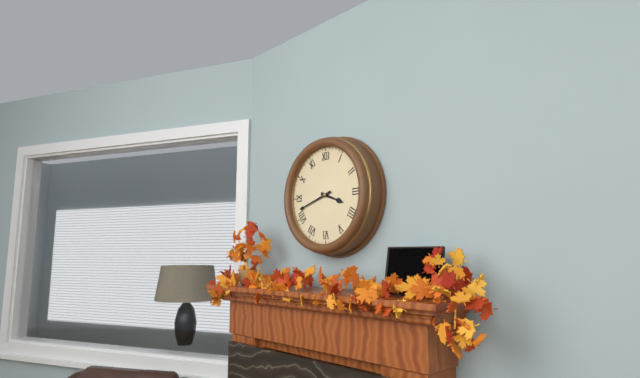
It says 3:42
